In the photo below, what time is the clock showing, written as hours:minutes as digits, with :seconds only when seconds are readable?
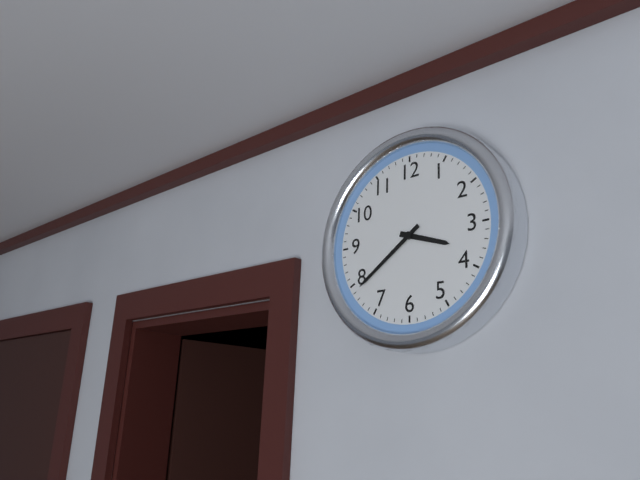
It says 3:39
